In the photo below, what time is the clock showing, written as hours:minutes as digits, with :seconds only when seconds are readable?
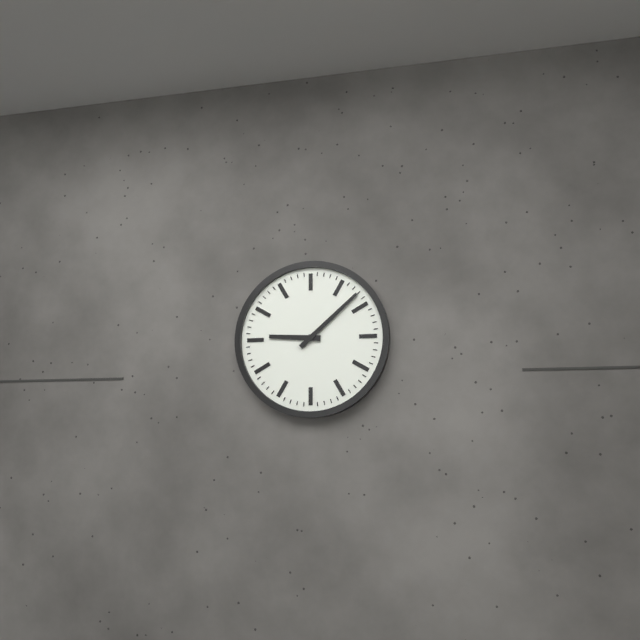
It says 9:08
